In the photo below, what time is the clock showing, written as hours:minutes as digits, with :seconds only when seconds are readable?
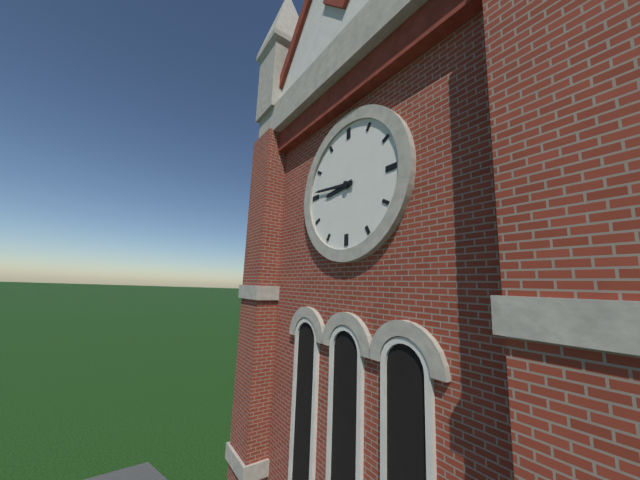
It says 8:46
